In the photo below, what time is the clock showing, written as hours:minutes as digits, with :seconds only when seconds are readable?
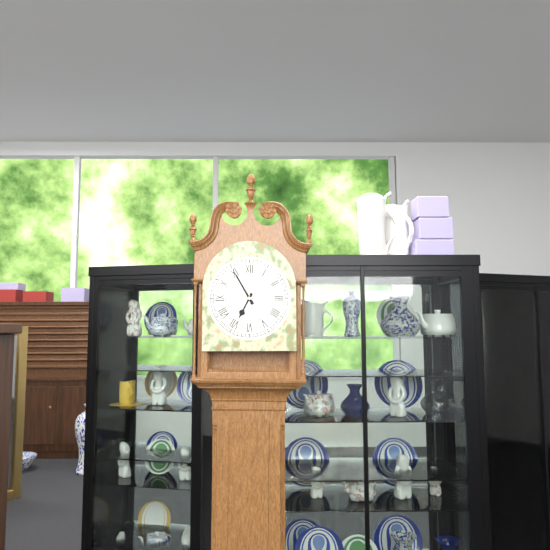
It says 6:55
